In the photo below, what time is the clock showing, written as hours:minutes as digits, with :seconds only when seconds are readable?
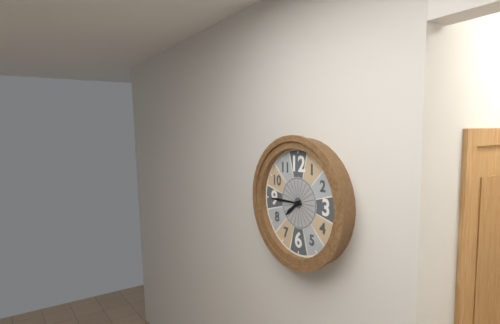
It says 7:45
